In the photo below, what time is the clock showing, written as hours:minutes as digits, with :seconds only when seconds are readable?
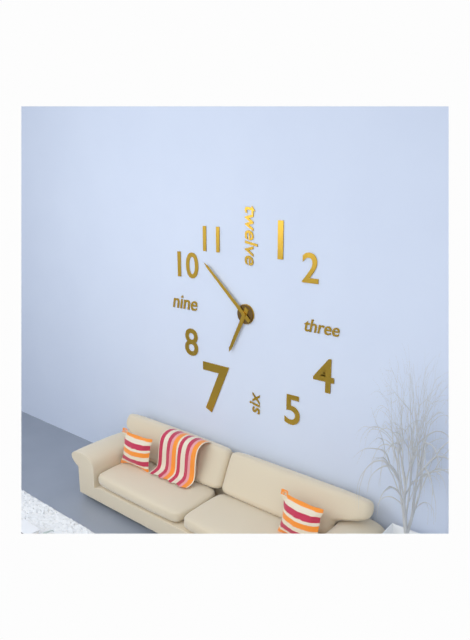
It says 6:52
